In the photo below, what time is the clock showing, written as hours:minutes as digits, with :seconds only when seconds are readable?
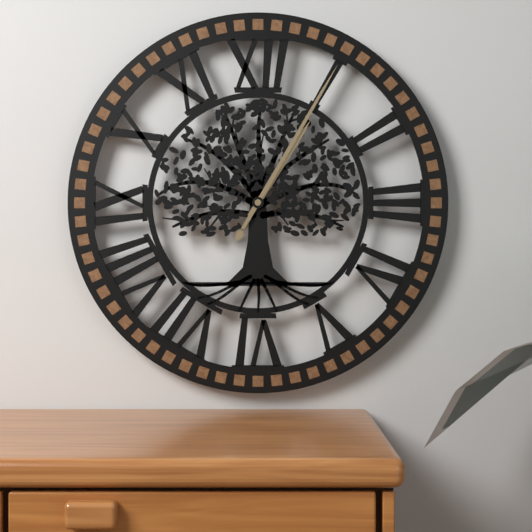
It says 1:05
